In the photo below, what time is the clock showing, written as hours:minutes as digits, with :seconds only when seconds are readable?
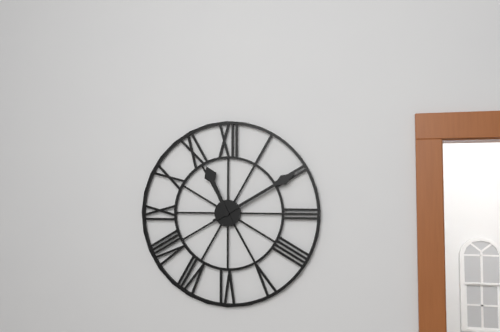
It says 11:10
